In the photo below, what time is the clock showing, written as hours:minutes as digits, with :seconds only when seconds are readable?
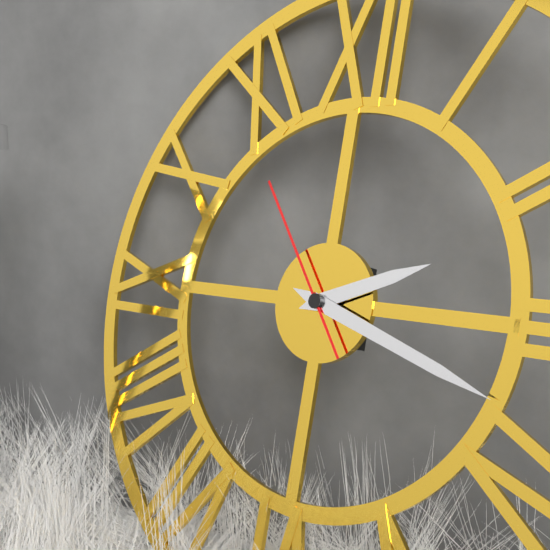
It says 2:18:54
